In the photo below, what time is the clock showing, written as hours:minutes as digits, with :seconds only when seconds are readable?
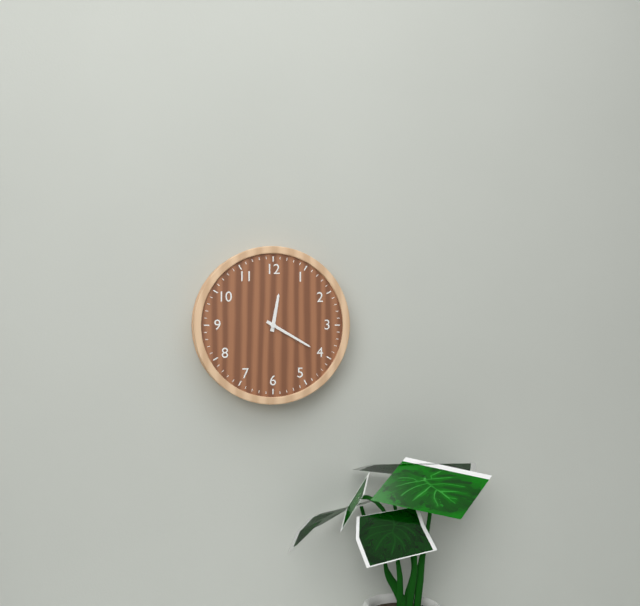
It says 12:20
